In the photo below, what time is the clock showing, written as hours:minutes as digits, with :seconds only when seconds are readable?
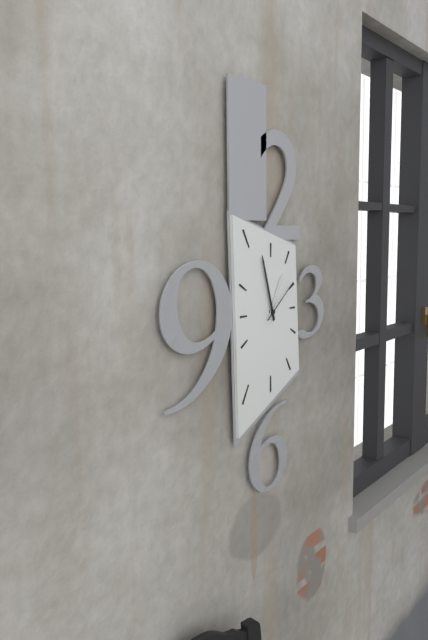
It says 12:57
